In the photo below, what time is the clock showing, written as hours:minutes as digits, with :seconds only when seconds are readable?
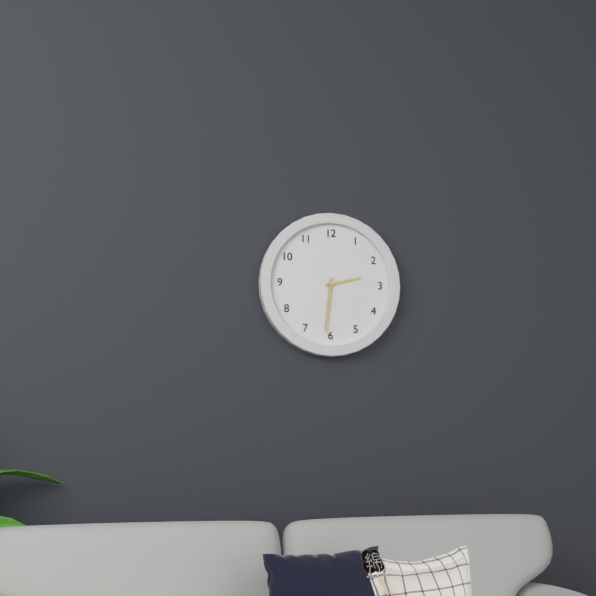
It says 2:31
